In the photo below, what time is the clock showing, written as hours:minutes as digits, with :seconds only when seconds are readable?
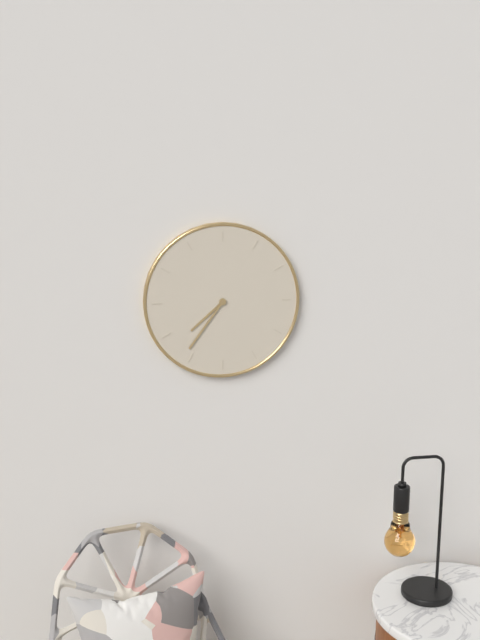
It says 7:36
